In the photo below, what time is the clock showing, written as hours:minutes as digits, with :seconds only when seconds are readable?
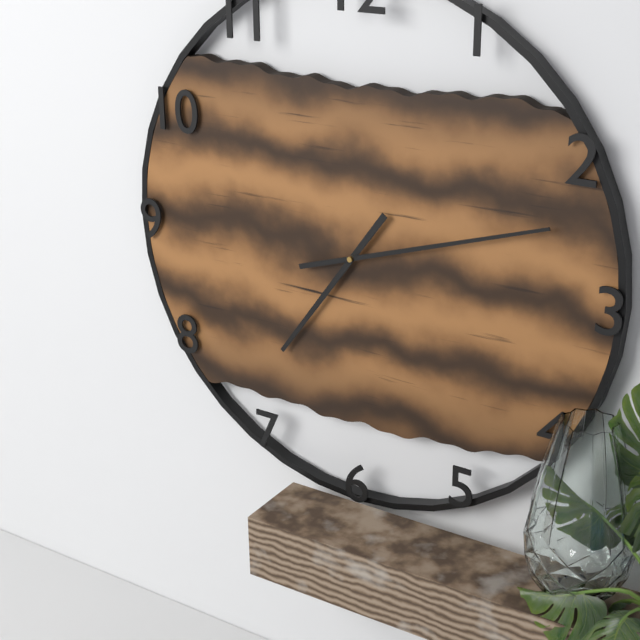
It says 7:12
